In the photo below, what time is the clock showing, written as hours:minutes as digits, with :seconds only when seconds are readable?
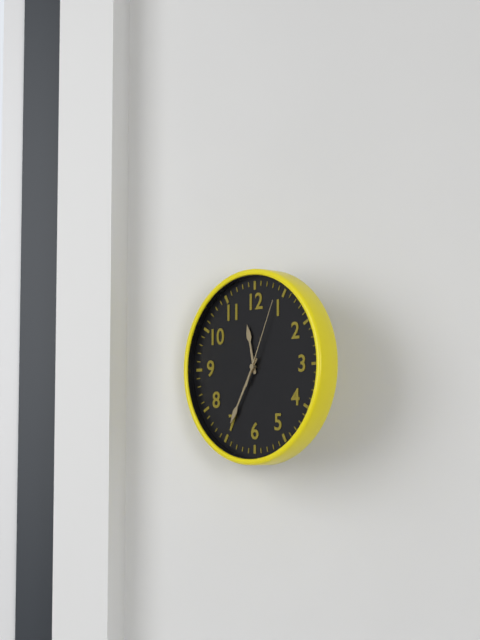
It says 11:35:04
